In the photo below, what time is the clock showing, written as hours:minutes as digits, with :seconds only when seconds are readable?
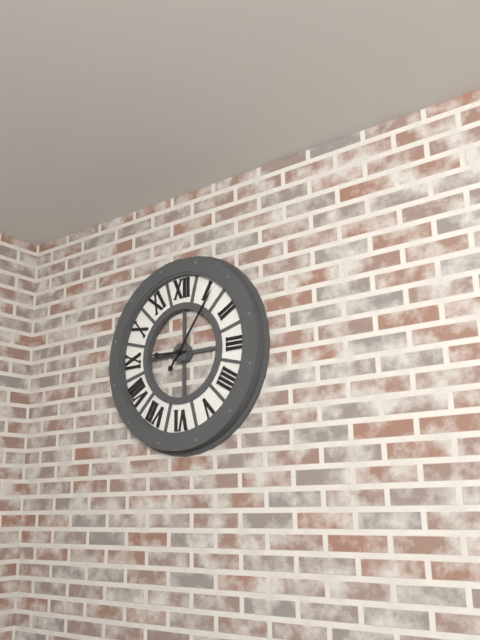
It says 9:06
